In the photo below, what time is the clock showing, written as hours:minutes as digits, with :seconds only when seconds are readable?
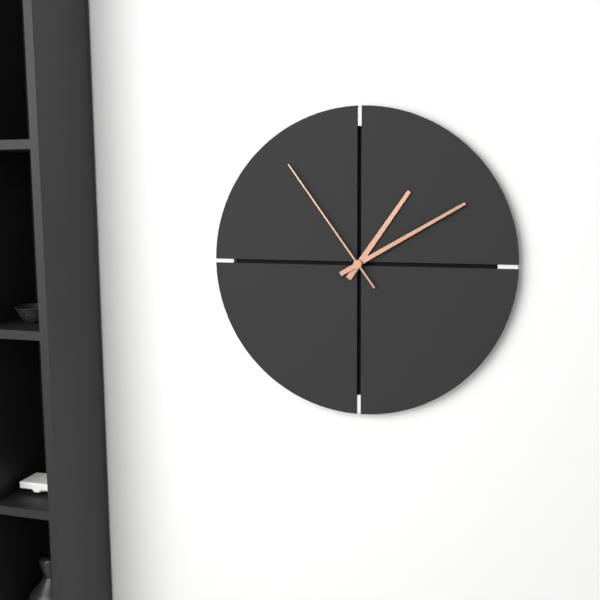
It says 1:10:54
